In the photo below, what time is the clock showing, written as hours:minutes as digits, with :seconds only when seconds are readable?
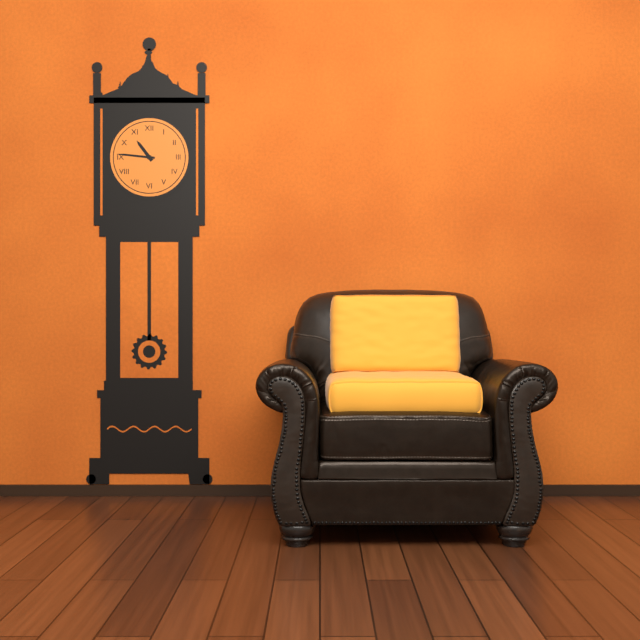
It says 10:46
